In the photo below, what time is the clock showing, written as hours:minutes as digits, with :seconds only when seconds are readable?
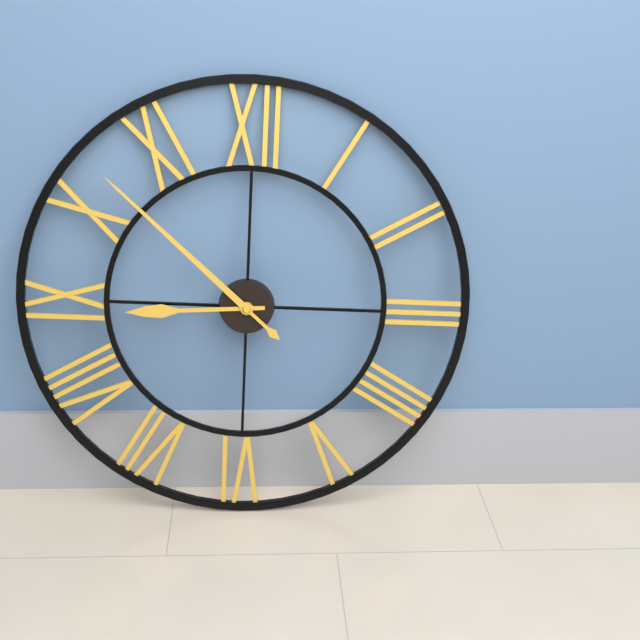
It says 8:52
